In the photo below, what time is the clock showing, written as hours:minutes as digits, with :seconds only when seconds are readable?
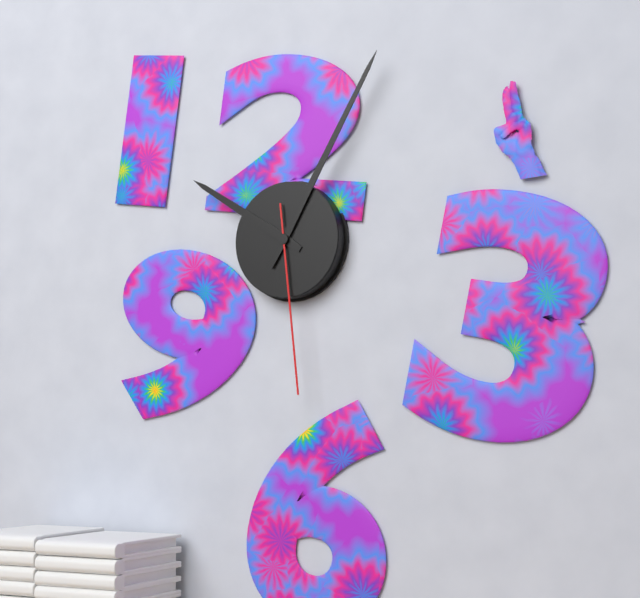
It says 10:05:29
